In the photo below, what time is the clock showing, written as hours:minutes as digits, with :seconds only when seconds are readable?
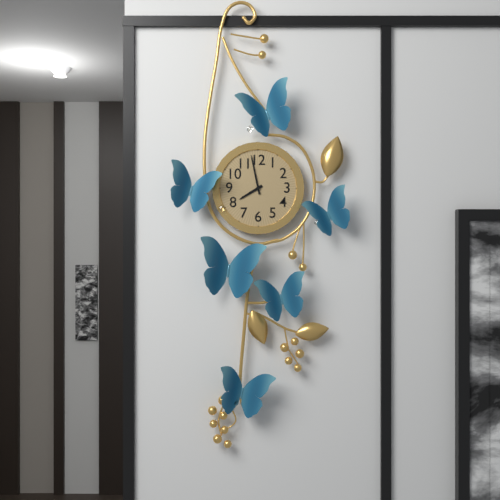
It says 7:58
